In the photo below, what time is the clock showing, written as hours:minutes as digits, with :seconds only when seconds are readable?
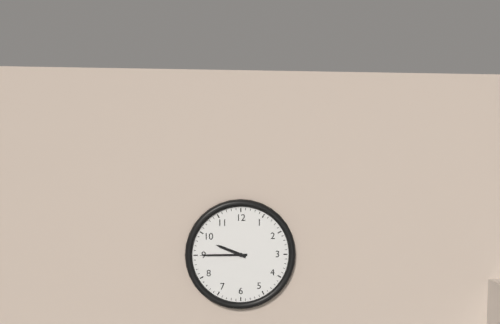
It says 9:45
